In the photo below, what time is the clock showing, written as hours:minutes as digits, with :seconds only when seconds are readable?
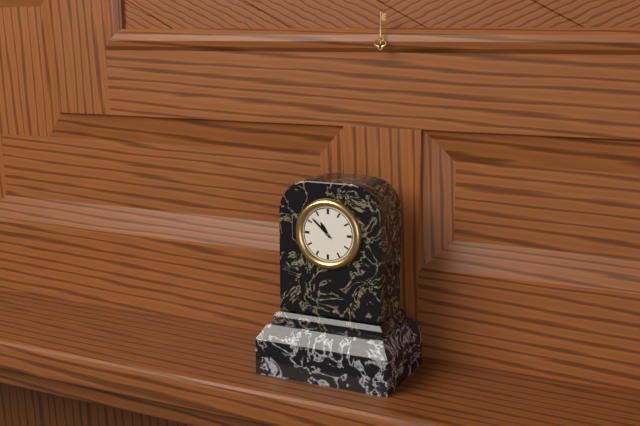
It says 10:52
